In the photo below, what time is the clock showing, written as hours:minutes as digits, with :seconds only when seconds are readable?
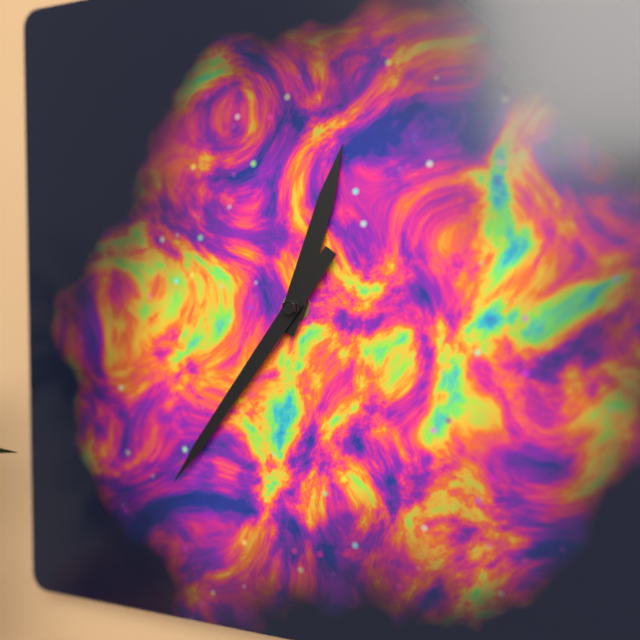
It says 12:36
